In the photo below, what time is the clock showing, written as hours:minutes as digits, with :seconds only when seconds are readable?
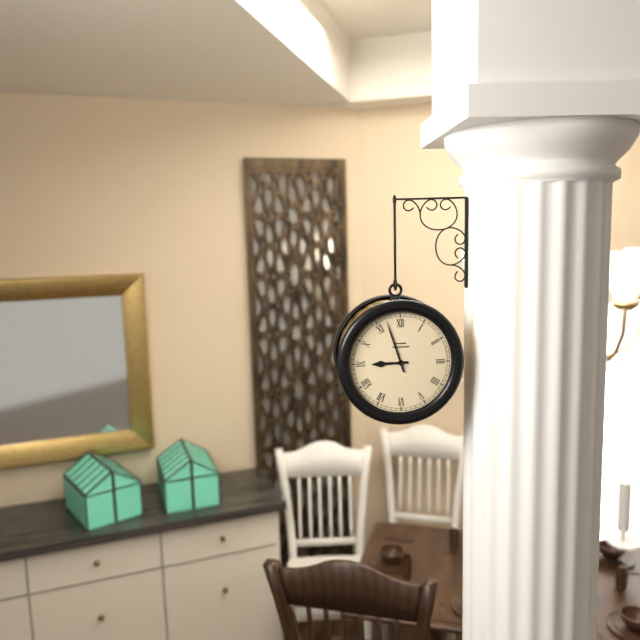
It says 8:57
